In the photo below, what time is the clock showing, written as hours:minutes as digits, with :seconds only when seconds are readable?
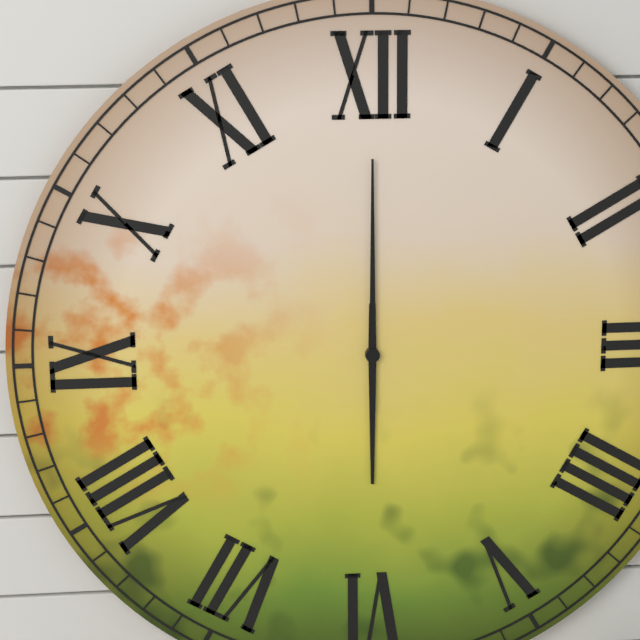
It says 6:00
